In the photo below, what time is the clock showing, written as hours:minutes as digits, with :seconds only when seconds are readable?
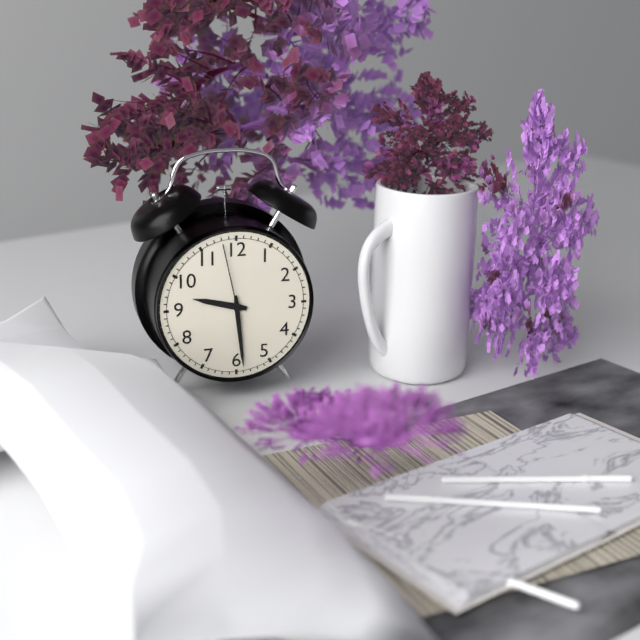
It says 9:29:58
